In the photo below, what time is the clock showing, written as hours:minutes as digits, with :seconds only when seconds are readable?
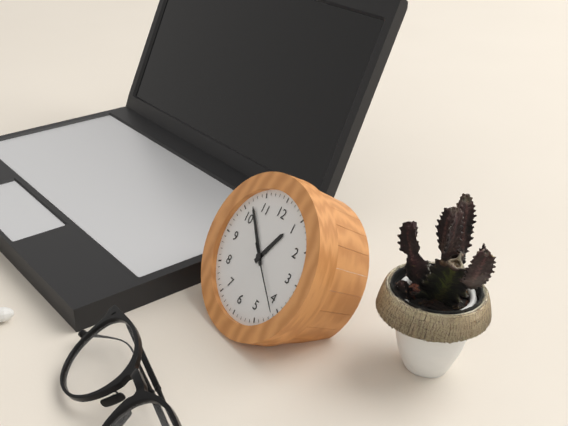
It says 12:52:21
